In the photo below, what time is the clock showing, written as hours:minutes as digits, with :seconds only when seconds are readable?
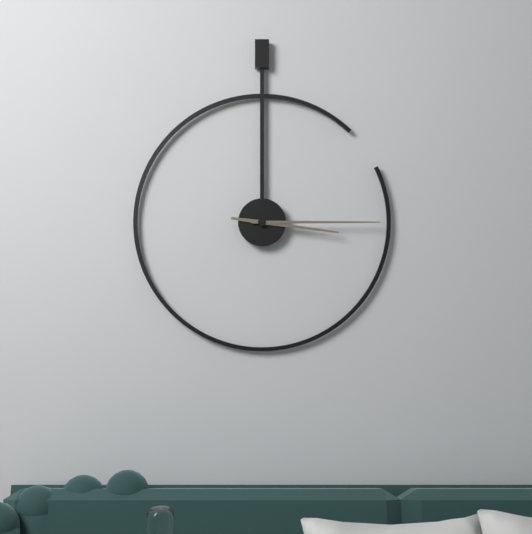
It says 3:15
